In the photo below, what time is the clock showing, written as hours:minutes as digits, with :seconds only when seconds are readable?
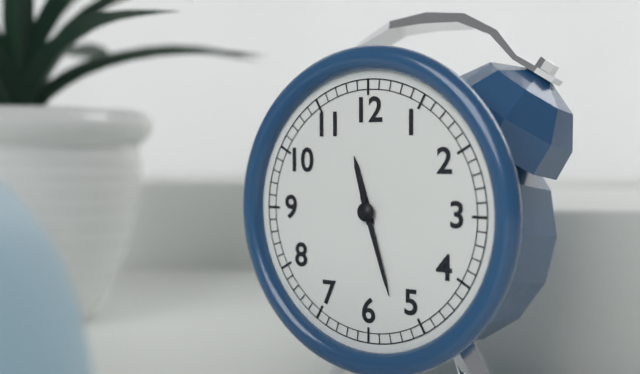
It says 11:27
